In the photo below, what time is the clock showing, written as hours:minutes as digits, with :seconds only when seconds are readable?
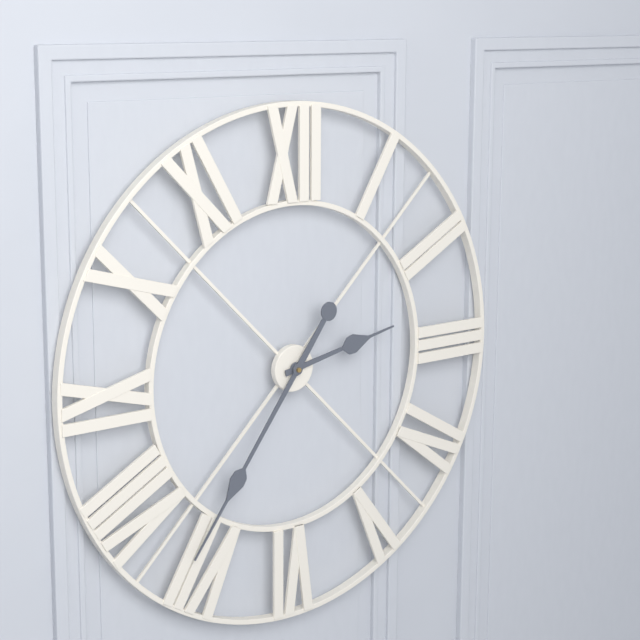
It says 2:36
